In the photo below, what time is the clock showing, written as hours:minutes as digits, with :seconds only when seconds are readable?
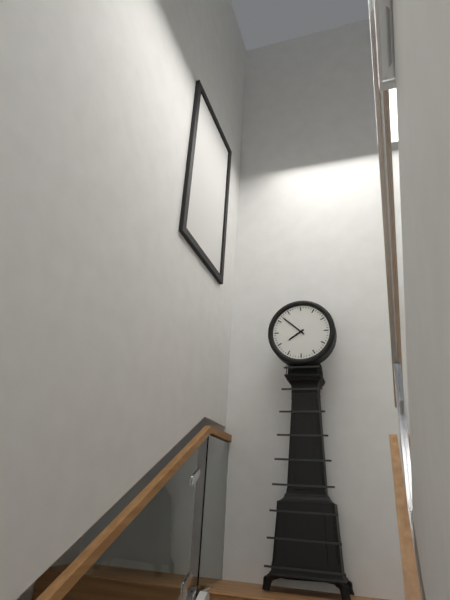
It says 7:52
